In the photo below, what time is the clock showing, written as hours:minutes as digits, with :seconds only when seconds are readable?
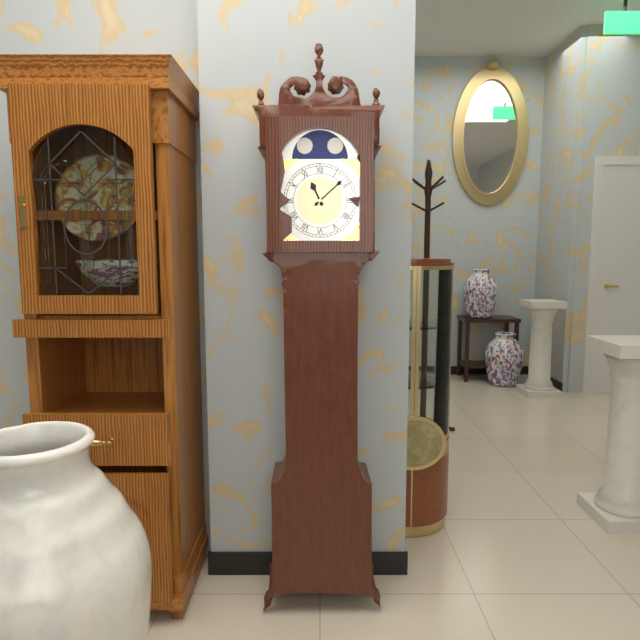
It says 11:08
